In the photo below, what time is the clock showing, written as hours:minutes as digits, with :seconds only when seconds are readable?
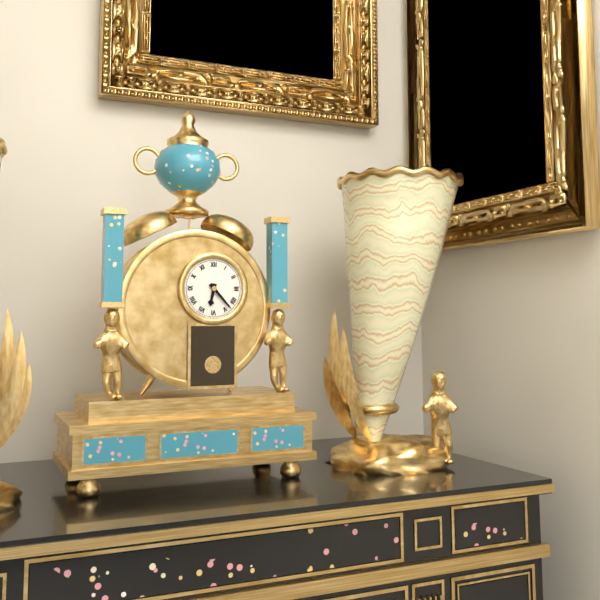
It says 6:23
